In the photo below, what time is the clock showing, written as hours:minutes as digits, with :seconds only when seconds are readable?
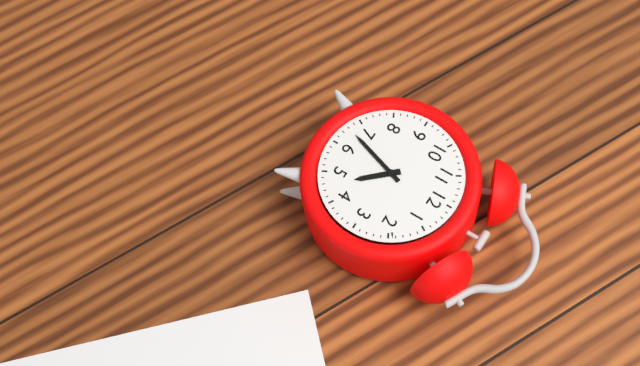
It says 4:33
